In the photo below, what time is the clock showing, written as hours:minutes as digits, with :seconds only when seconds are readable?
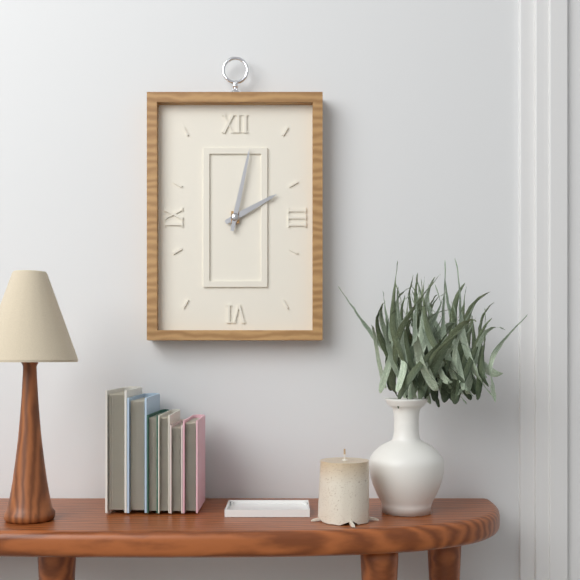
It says 2:02
